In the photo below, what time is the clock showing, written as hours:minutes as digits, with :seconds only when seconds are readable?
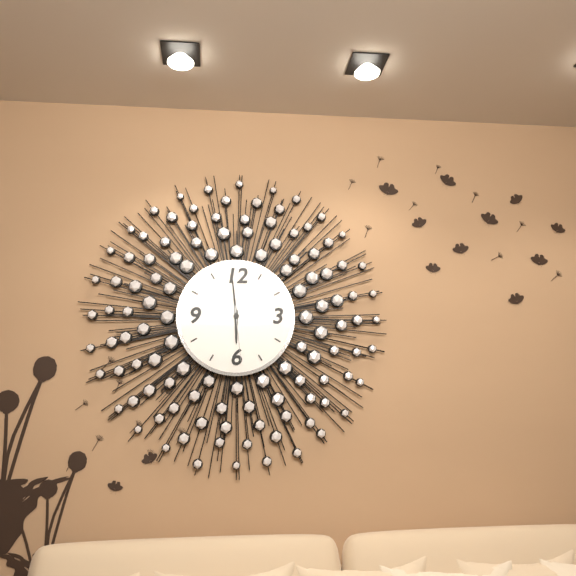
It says 5:59:29
